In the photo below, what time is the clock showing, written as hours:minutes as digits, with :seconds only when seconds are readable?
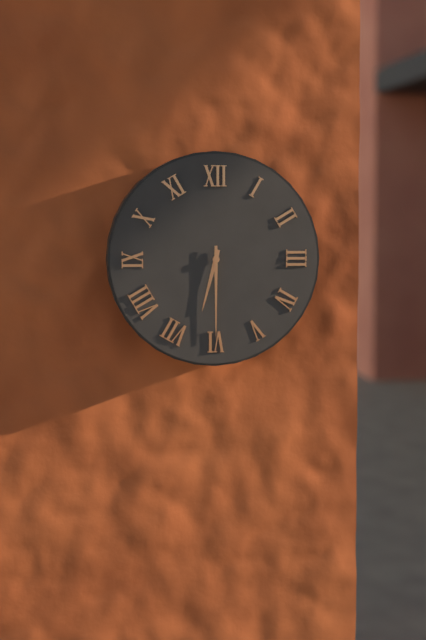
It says 6:30
